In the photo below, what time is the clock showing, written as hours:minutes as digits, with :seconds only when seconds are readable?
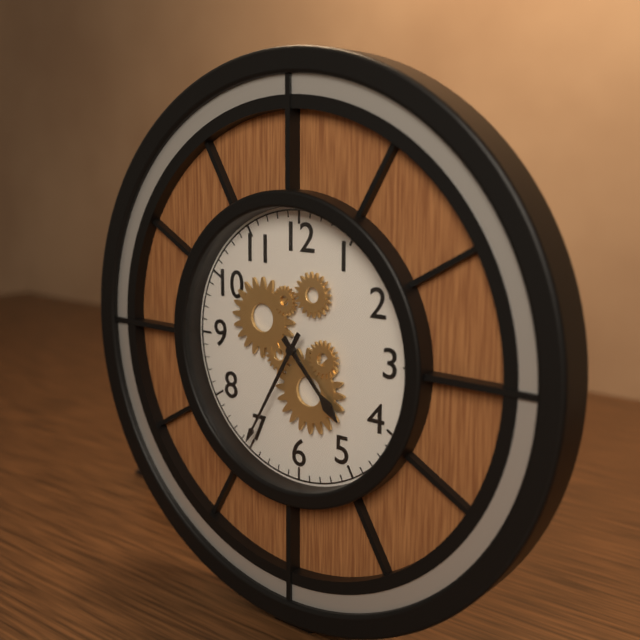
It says 4:35
